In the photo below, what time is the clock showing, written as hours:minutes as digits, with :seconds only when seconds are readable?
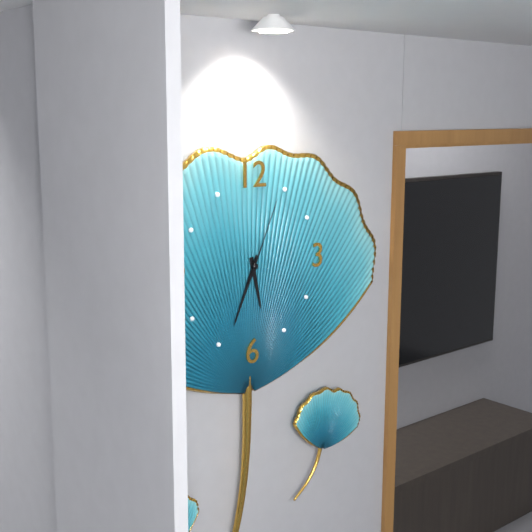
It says 5:34:04
